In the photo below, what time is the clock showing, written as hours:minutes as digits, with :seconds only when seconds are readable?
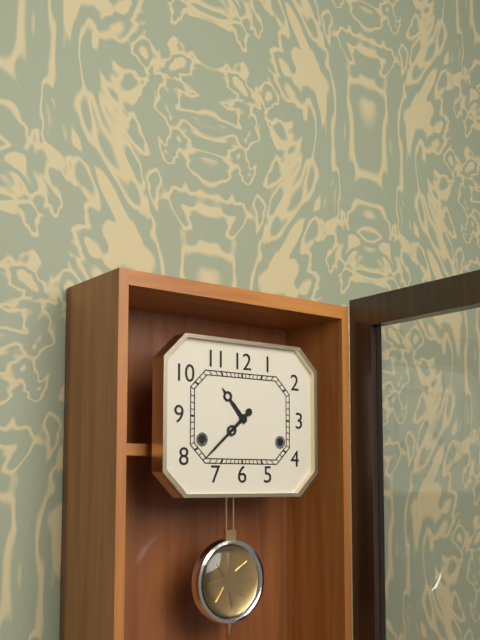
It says 10:38
